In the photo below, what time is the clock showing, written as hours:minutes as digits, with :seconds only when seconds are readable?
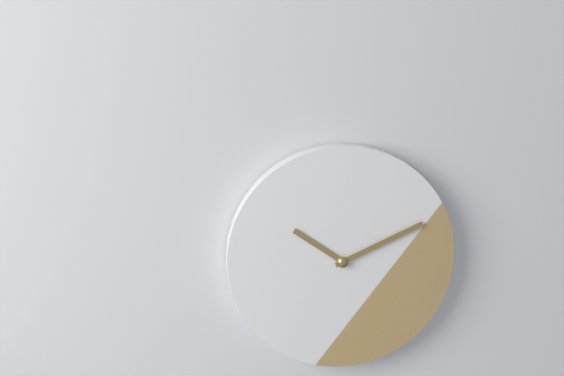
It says 10:11
